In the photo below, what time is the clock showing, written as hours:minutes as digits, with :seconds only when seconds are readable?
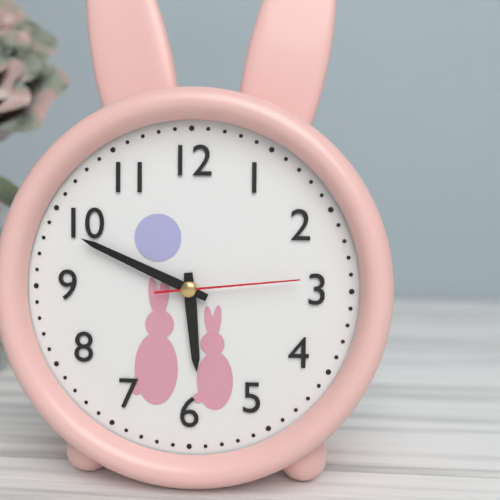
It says 5:49:14
